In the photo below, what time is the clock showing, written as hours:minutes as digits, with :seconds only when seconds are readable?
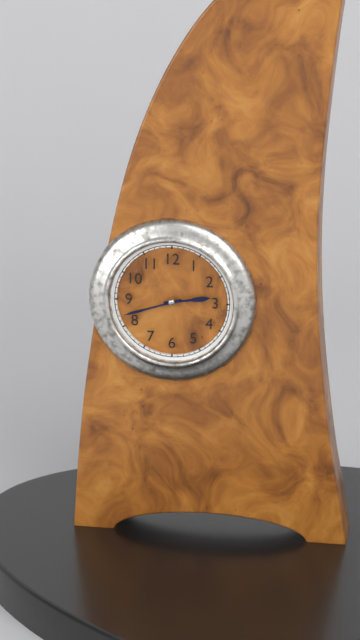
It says 2:42
